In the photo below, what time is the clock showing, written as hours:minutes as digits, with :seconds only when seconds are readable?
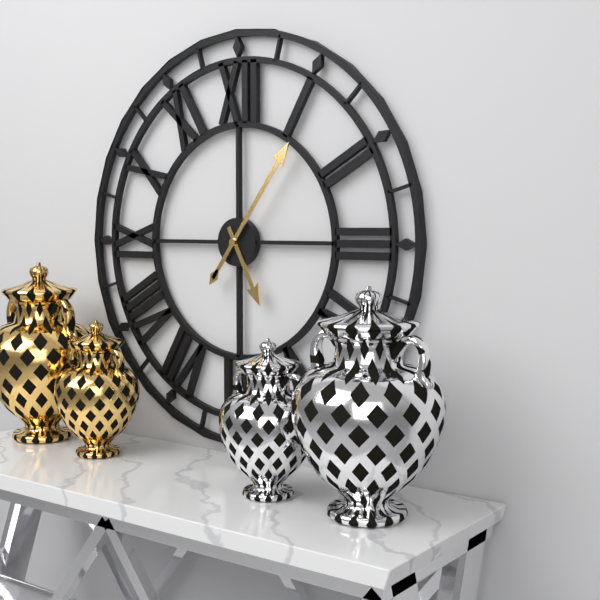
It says 5:06
